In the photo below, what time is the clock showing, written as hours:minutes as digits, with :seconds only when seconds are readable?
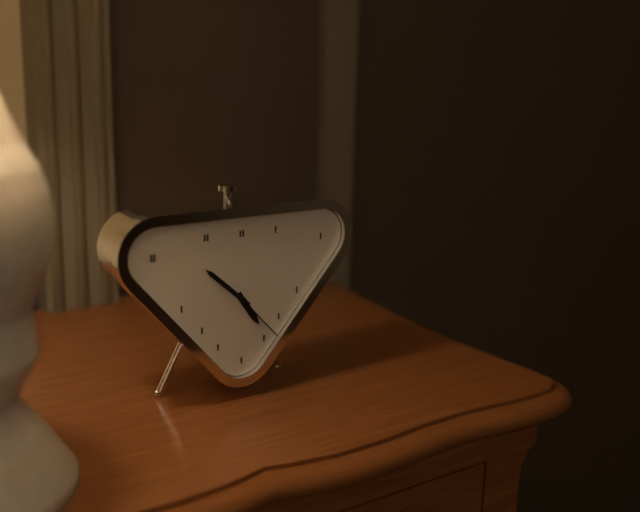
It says 4:52:23
